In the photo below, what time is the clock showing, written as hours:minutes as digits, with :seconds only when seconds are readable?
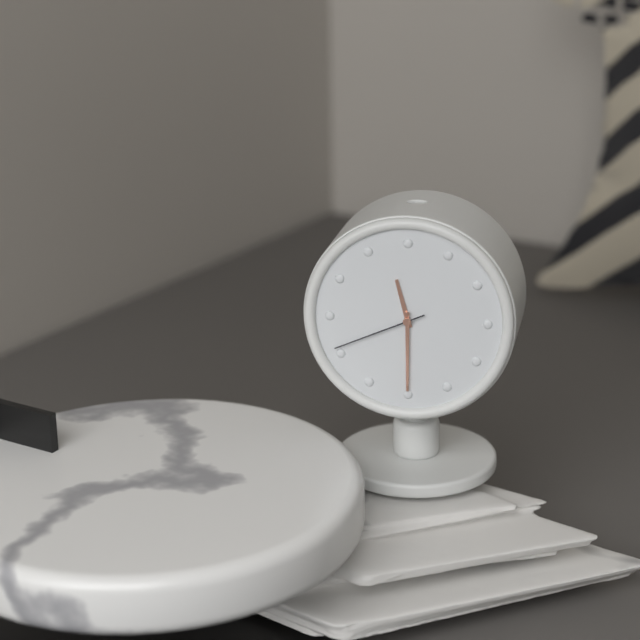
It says 11:30:41
